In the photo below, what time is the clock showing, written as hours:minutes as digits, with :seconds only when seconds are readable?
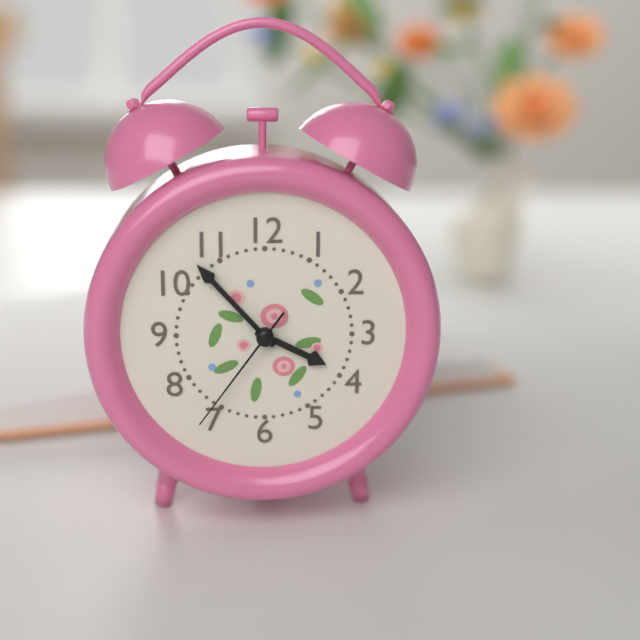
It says 3:53:36
